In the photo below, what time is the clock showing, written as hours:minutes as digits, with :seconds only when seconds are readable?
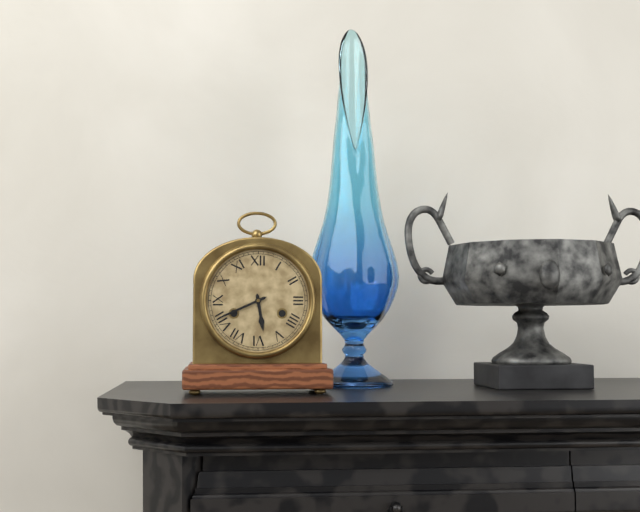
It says 5:41
